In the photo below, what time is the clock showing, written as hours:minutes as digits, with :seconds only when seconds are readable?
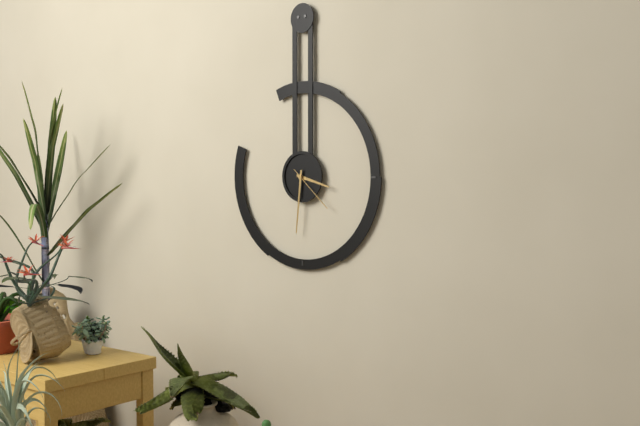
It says 3:31:22
